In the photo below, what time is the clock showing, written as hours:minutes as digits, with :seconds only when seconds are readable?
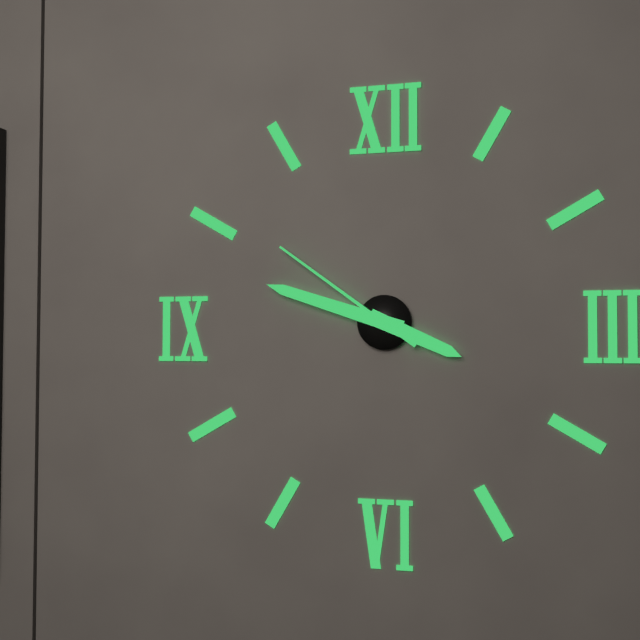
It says 3:48:51
